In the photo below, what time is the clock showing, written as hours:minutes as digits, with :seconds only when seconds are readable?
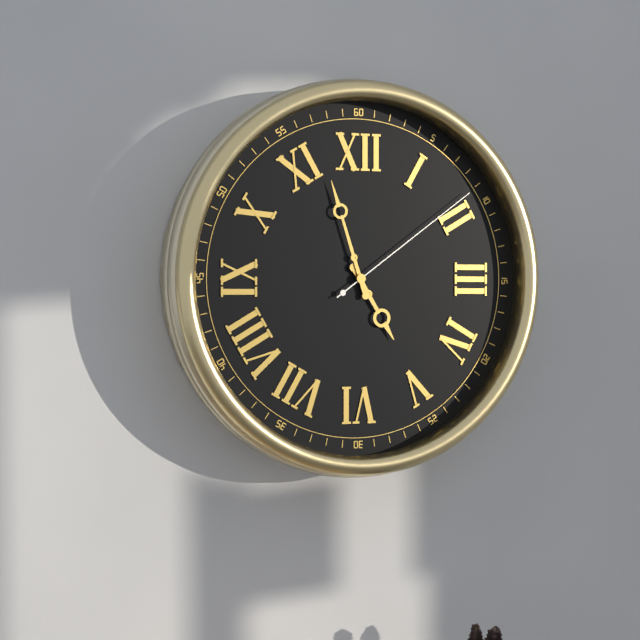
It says 4:57:09
